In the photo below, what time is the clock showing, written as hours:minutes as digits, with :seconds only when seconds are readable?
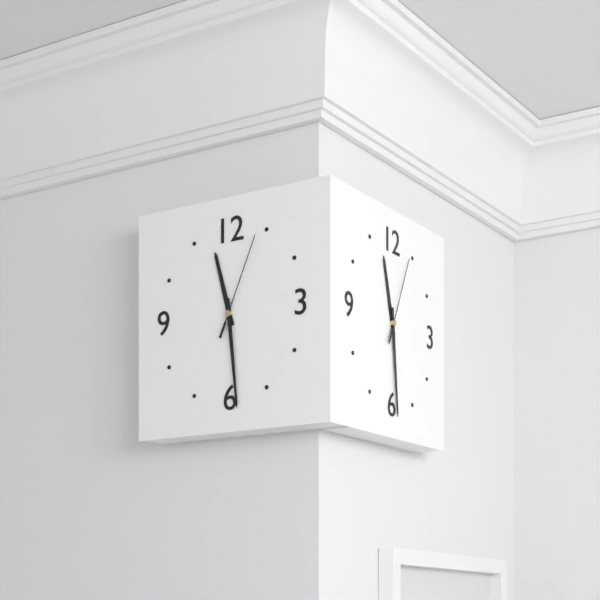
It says 11:29:04
